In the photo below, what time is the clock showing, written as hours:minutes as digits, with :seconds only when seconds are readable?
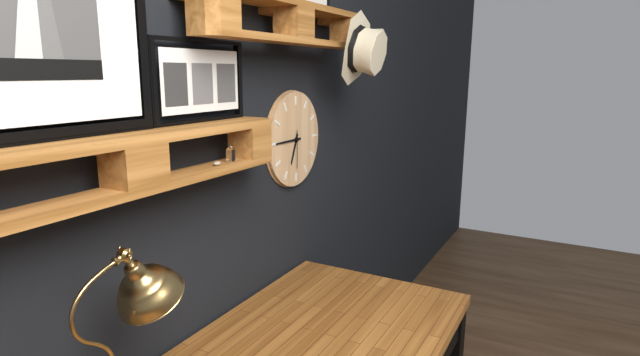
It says 6:45
